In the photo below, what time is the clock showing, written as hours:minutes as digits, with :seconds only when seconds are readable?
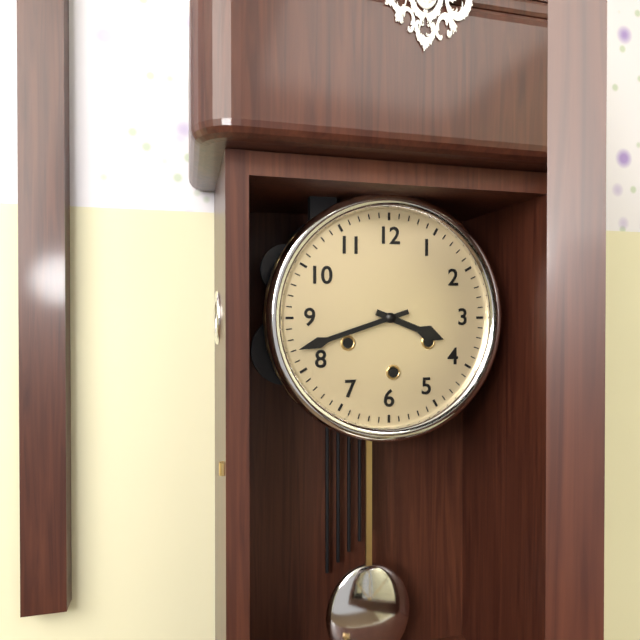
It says 3:42
